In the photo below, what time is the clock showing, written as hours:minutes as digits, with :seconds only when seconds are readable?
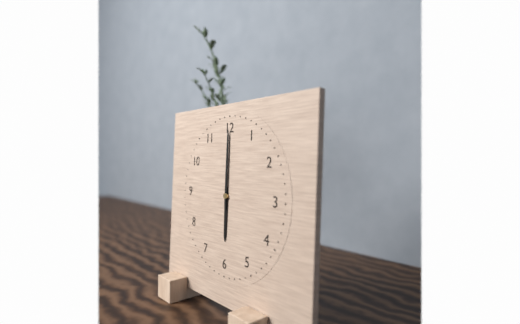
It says 6:00
